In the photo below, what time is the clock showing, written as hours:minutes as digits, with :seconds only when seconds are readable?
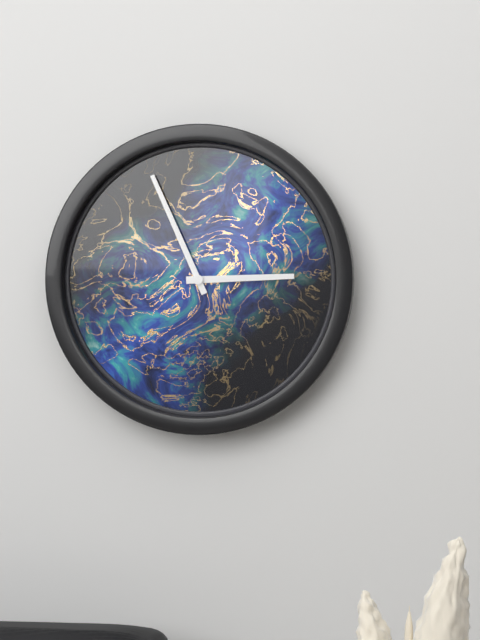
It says 2:56
